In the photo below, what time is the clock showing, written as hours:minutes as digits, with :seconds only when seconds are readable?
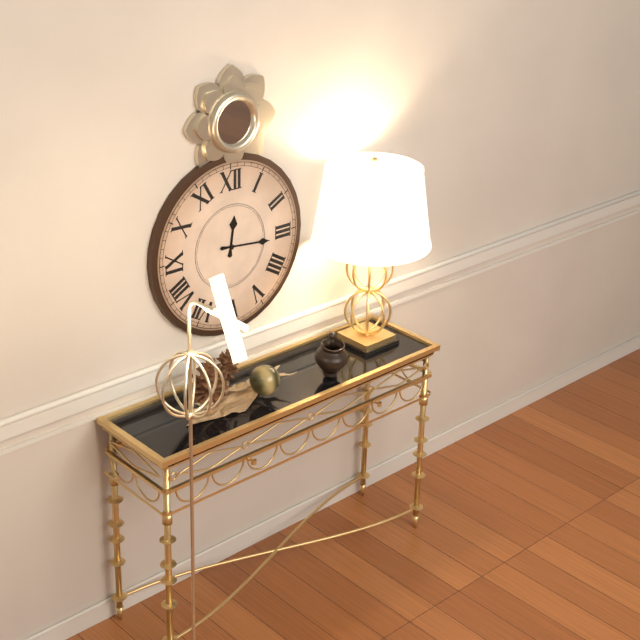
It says 12:16
